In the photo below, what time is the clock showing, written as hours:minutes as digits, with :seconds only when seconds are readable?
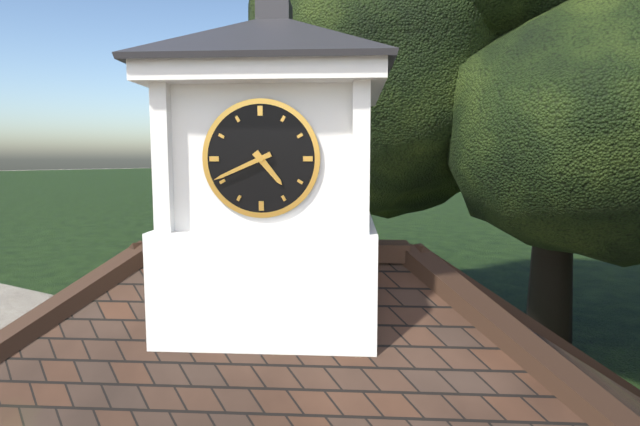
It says 4:41
